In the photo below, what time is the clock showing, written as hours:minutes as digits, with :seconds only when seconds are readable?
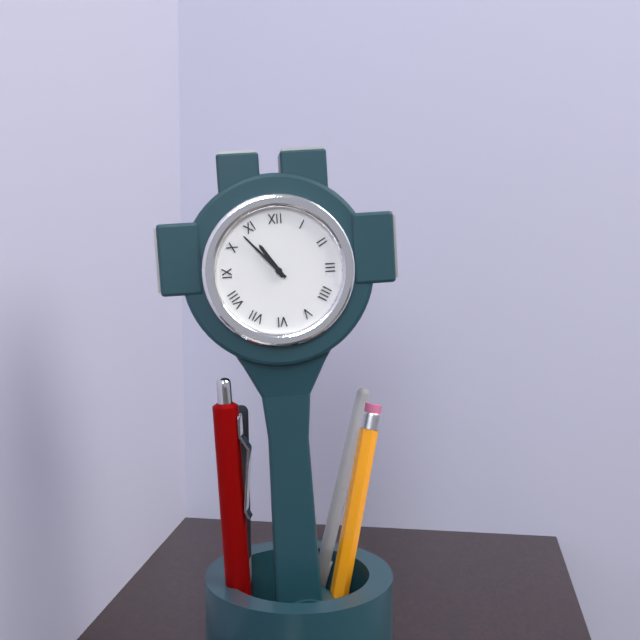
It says 10:53
